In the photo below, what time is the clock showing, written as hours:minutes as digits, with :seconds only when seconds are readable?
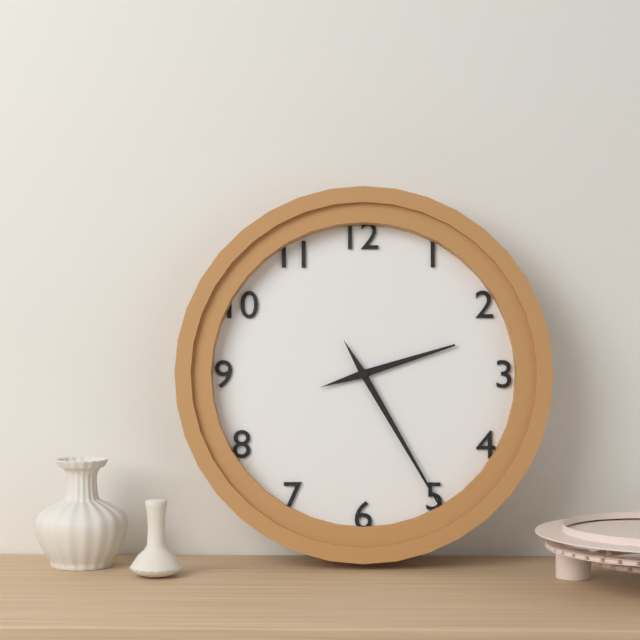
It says 2:25
